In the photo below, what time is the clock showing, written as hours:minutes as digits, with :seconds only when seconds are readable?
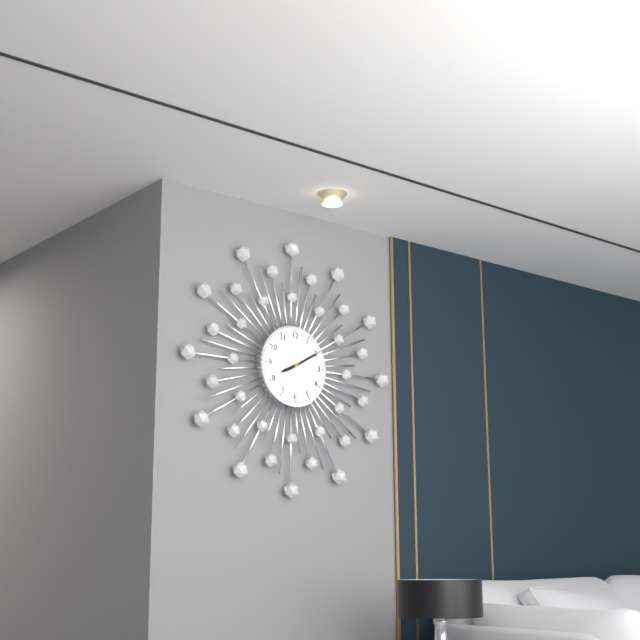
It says 8:10
